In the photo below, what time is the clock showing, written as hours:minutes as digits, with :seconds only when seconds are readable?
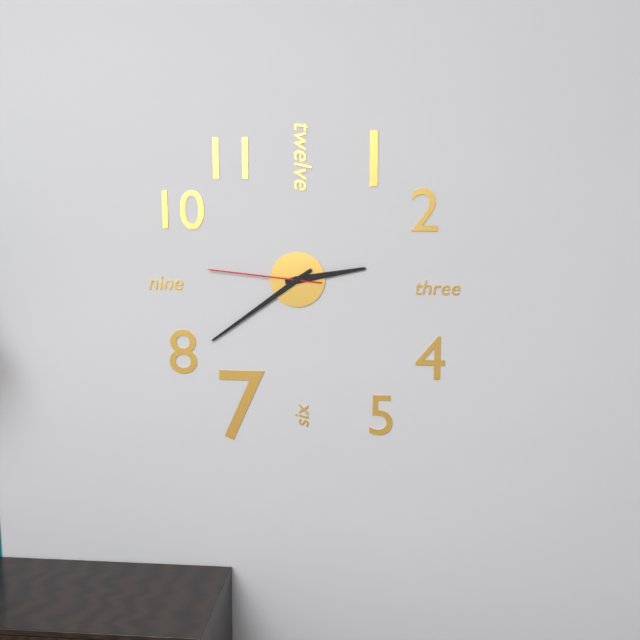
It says 2:39:46
